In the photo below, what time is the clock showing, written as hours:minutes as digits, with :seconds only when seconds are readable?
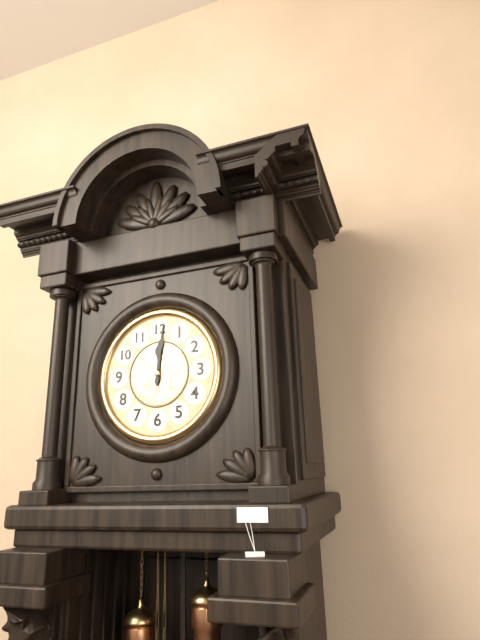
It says 12:01
